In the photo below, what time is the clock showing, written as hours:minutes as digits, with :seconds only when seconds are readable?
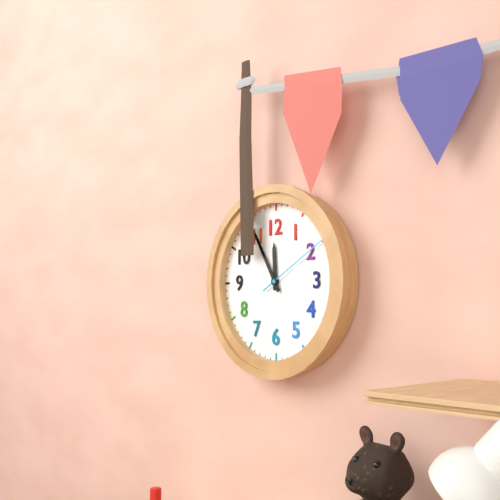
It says 11:55:10
